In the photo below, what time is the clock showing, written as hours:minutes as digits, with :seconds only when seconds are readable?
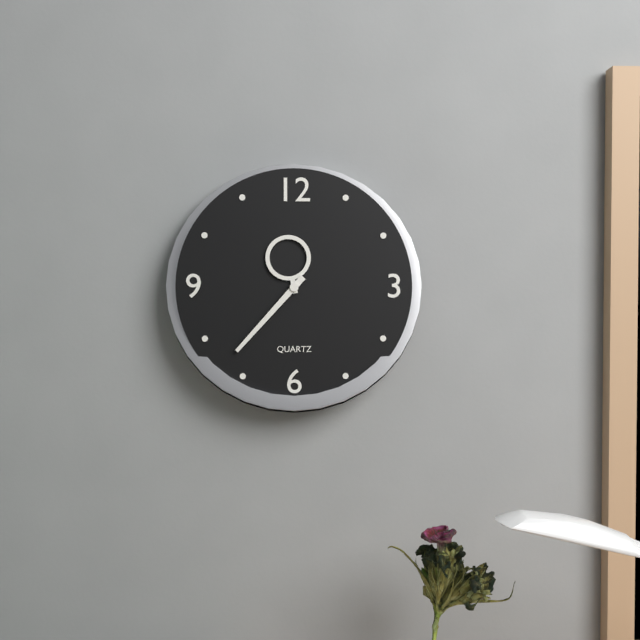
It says 11:37
